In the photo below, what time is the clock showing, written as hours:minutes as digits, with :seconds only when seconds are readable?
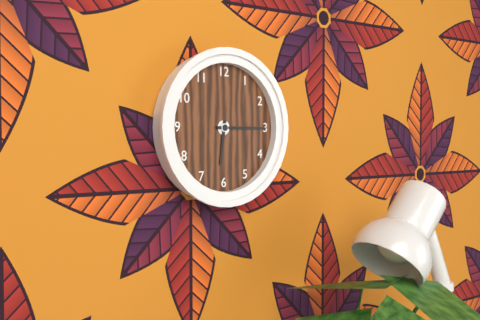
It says 6:15
